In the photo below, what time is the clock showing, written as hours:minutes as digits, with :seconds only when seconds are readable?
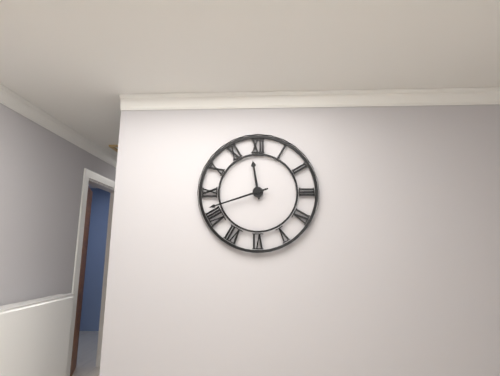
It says 11:42
